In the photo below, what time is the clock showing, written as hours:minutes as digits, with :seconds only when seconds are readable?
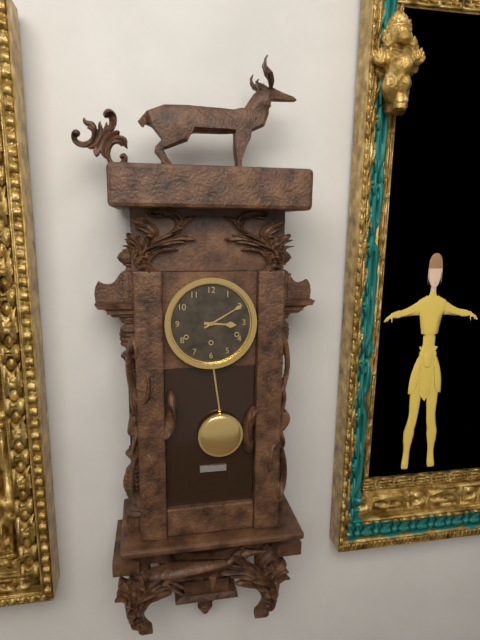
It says 3:10
